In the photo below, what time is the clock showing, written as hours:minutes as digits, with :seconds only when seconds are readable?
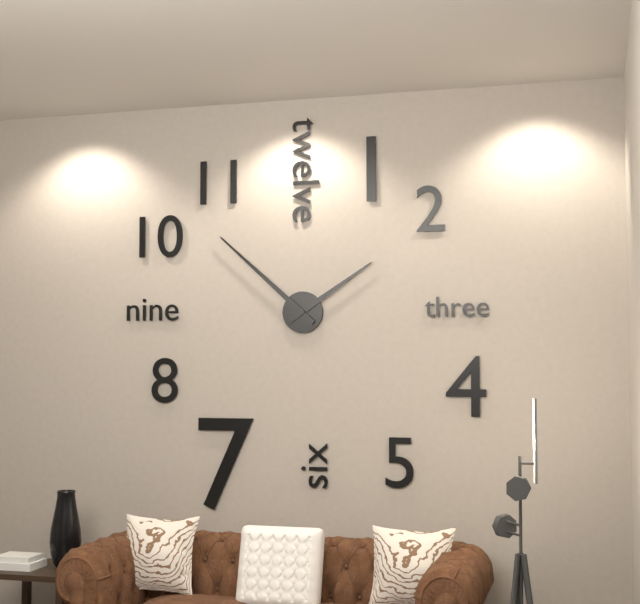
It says 1:52
